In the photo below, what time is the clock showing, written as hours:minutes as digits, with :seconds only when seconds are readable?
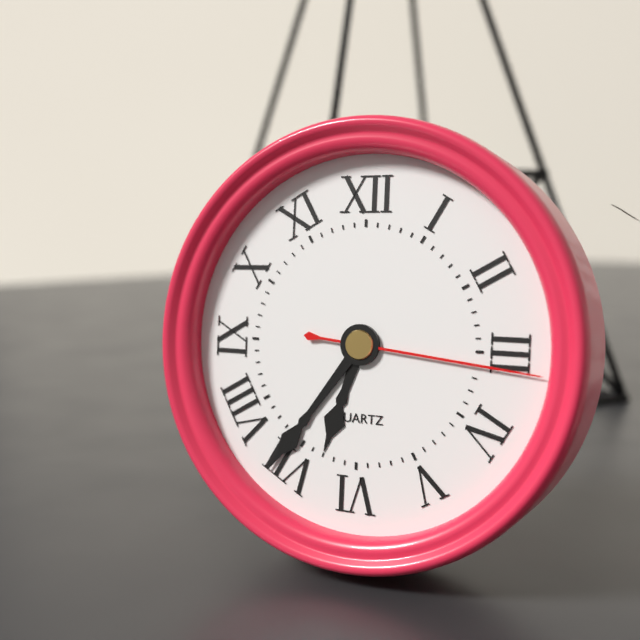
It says 6:36:16
